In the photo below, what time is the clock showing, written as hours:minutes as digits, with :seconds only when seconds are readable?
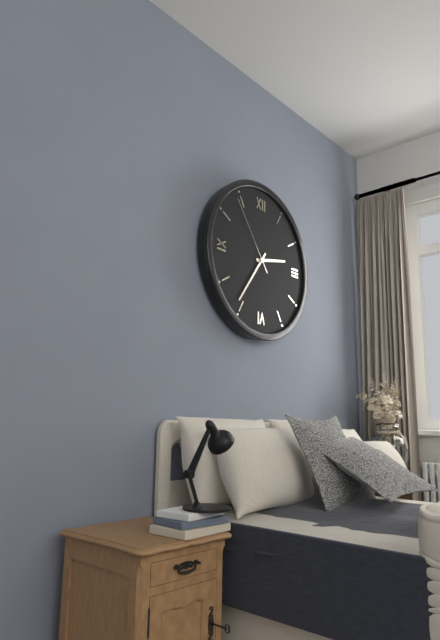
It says 2:36:54
